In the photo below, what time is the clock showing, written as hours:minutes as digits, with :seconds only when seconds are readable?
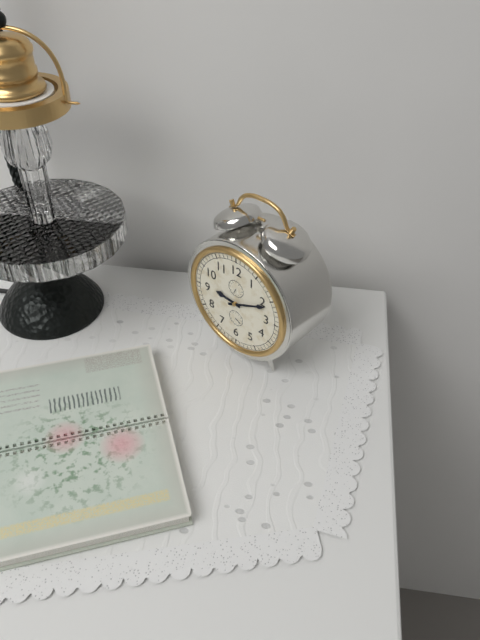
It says 9:11
